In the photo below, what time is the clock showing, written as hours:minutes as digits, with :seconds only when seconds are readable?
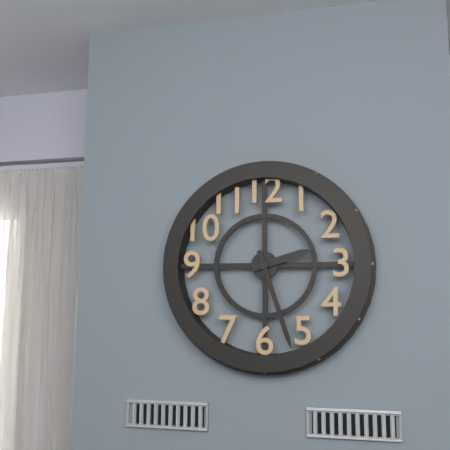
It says 2:27
